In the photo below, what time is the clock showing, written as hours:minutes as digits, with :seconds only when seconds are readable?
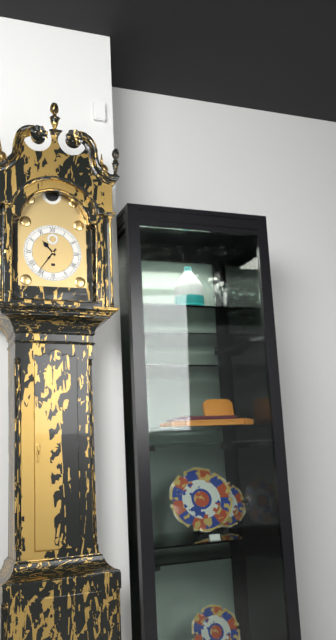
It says 10:36
